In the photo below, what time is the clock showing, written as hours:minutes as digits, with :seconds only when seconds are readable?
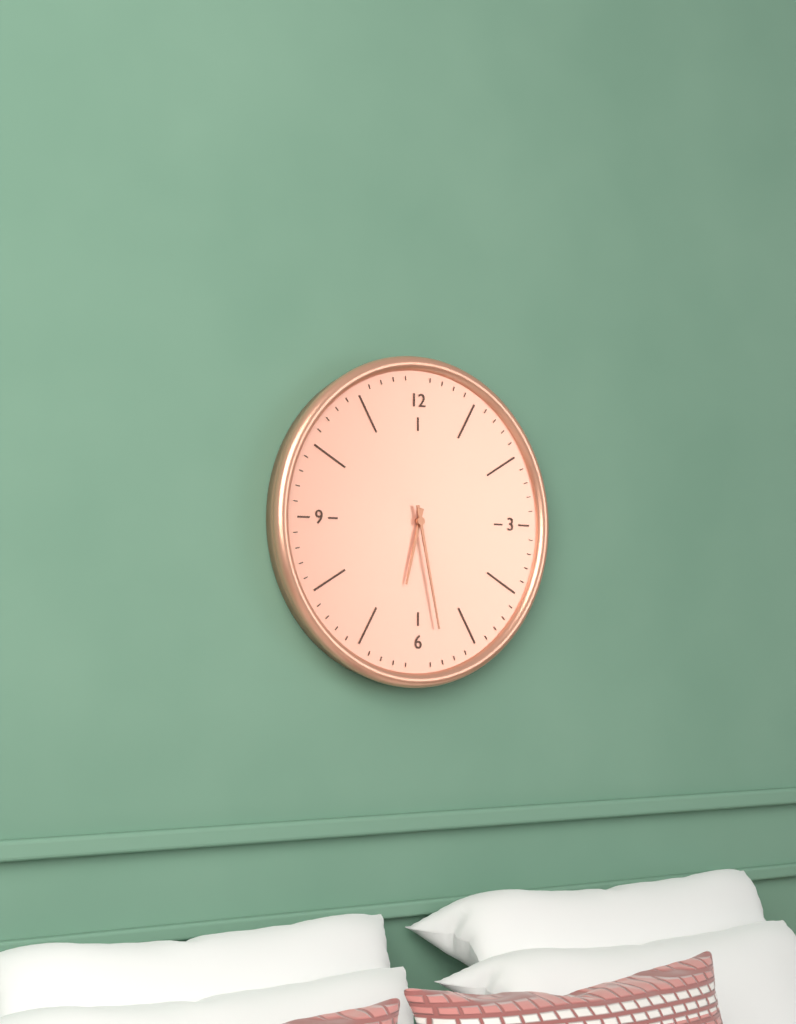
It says 6:28
